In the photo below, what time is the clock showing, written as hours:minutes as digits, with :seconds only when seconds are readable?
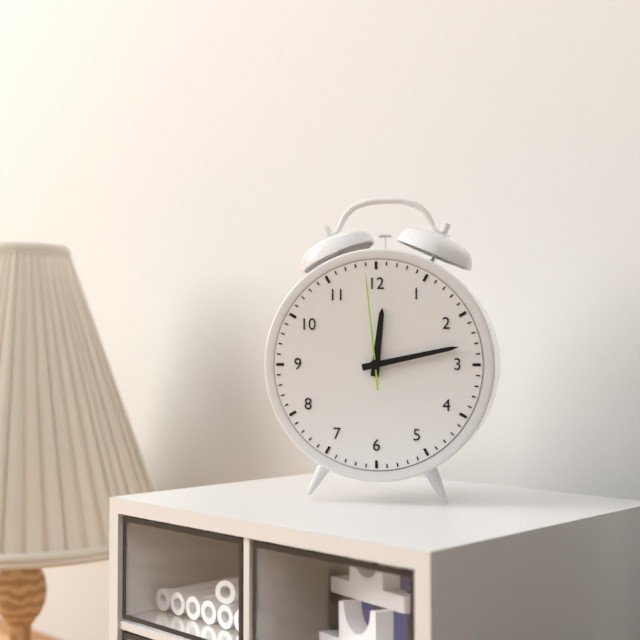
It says 12:13:59
